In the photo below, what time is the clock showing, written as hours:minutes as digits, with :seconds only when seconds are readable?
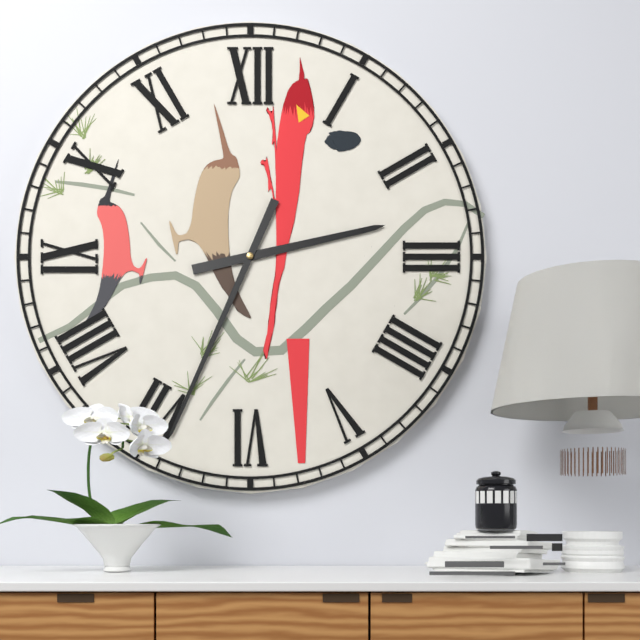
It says 2:34
